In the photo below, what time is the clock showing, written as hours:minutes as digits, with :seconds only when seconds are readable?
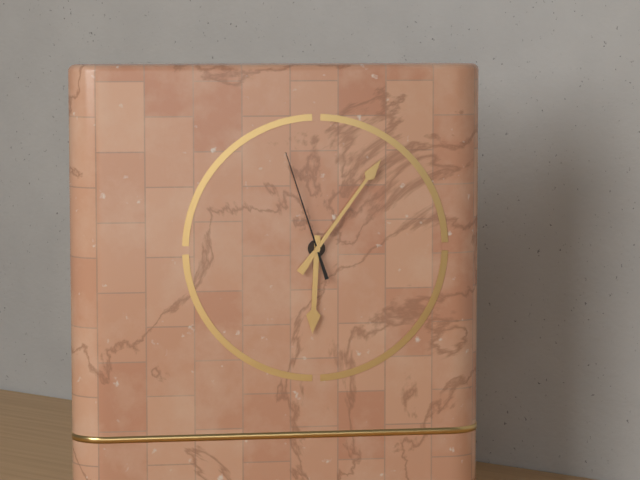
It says 6:06:57
